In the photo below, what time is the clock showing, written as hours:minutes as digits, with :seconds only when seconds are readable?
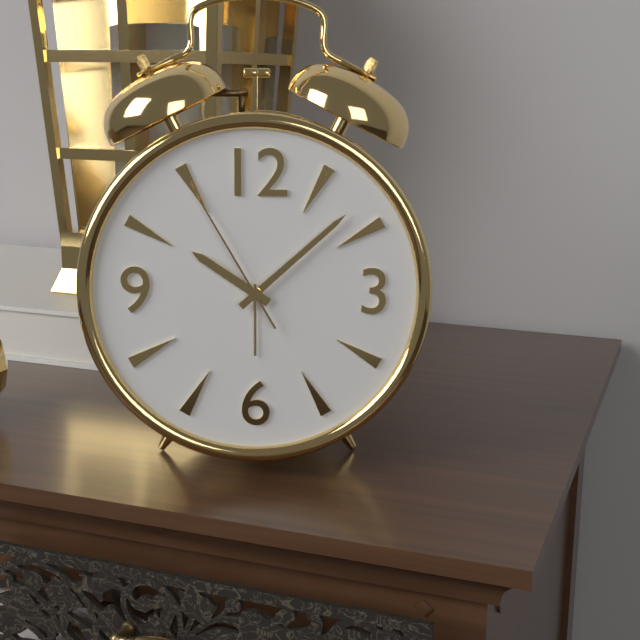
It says 10:08:55
